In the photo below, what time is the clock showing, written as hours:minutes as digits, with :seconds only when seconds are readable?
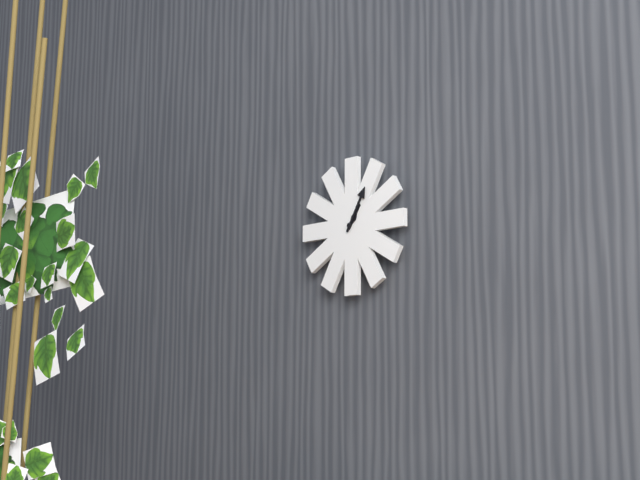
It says 1:05
